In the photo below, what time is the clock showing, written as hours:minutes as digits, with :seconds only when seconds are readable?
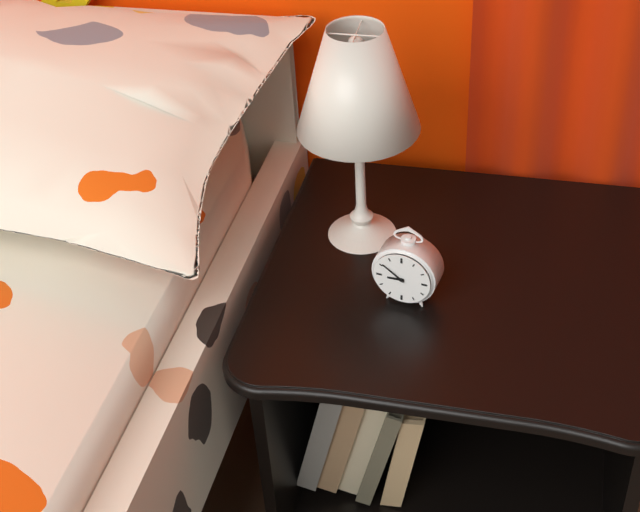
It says 8:51
